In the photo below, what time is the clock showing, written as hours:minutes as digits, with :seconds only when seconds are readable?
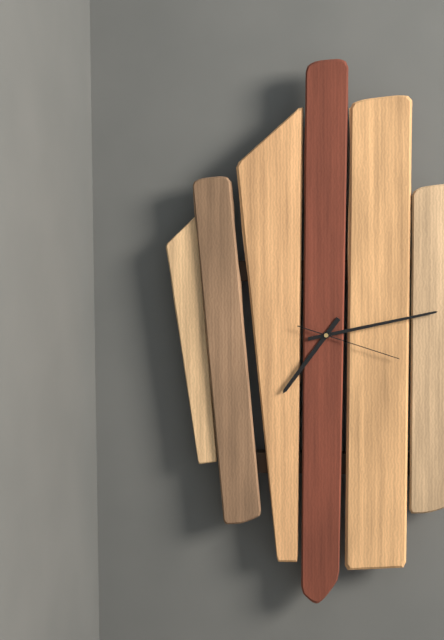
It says 7:13:18
